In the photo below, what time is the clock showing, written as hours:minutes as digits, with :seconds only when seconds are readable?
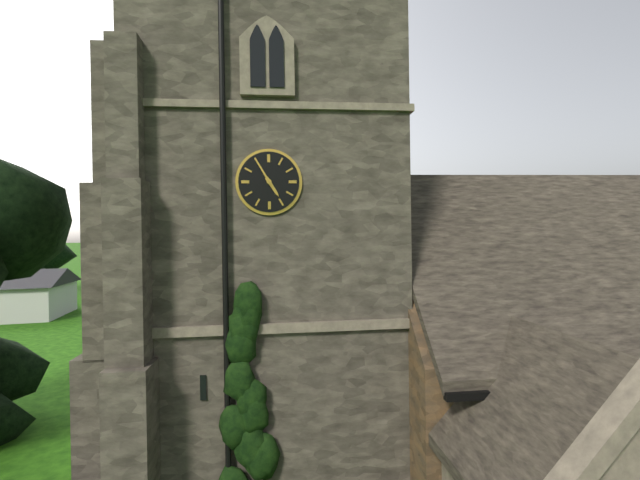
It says 4:55
